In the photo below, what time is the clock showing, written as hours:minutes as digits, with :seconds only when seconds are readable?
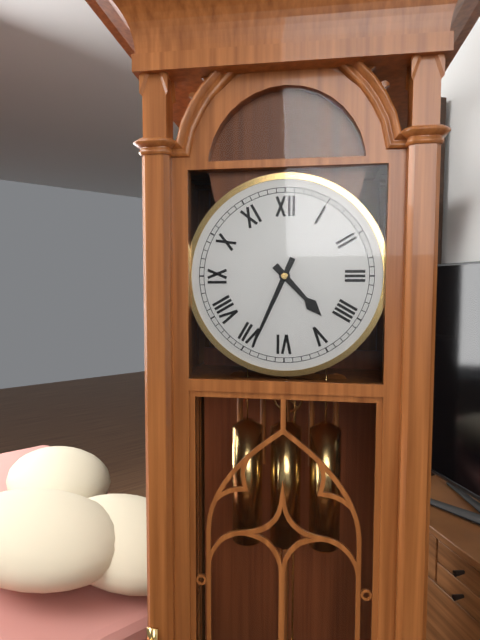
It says 4:34
